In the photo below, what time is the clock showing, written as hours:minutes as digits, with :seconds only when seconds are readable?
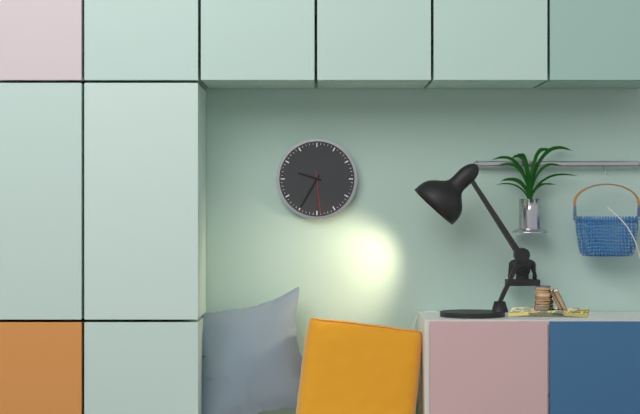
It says 9:35
